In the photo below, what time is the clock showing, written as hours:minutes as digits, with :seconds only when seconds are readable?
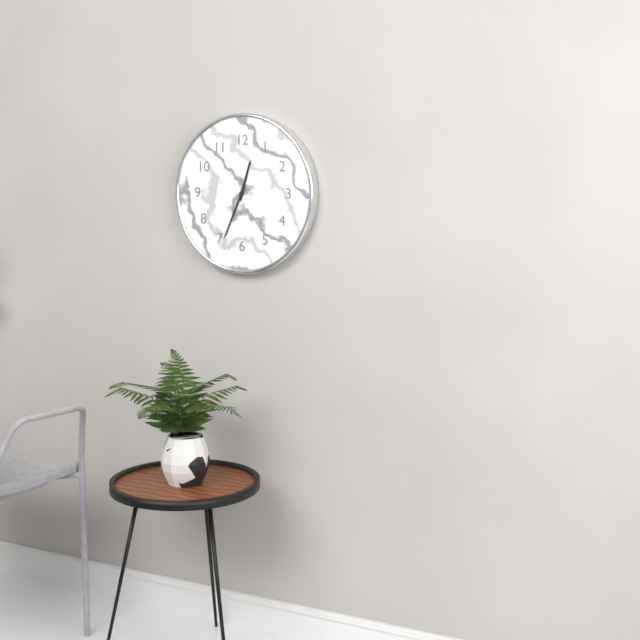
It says 12:34
